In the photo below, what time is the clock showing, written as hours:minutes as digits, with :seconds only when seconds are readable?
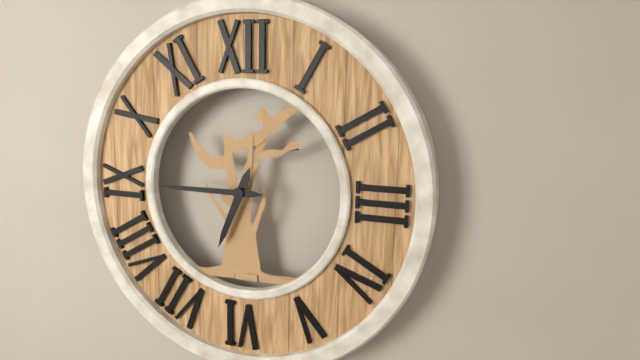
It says 6:45
